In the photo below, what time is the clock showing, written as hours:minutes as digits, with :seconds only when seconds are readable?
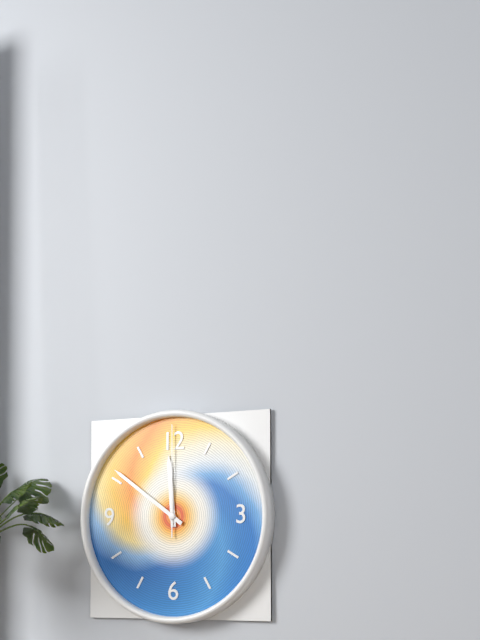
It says 11:51:00
